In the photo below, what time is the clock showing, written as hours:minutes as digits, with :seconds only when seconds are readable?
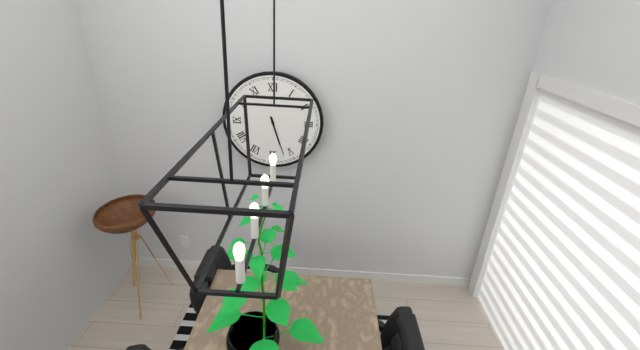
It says 5:27
